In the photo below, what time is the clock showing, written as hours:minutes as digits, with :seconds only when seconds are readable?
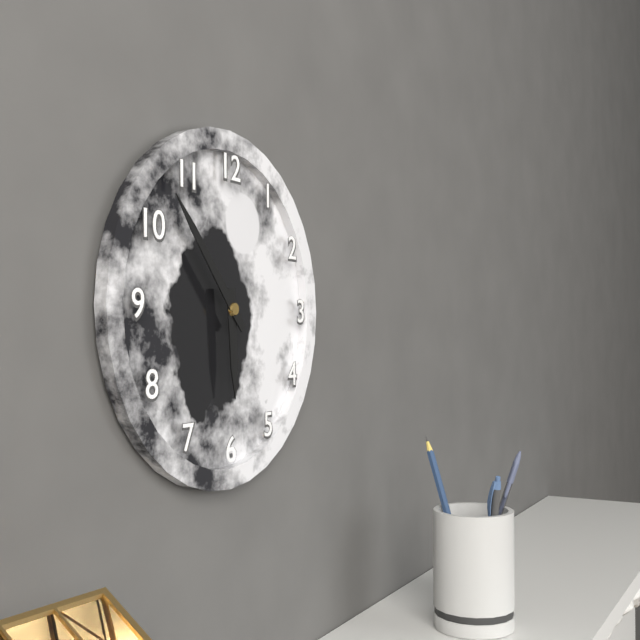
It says 5:53
